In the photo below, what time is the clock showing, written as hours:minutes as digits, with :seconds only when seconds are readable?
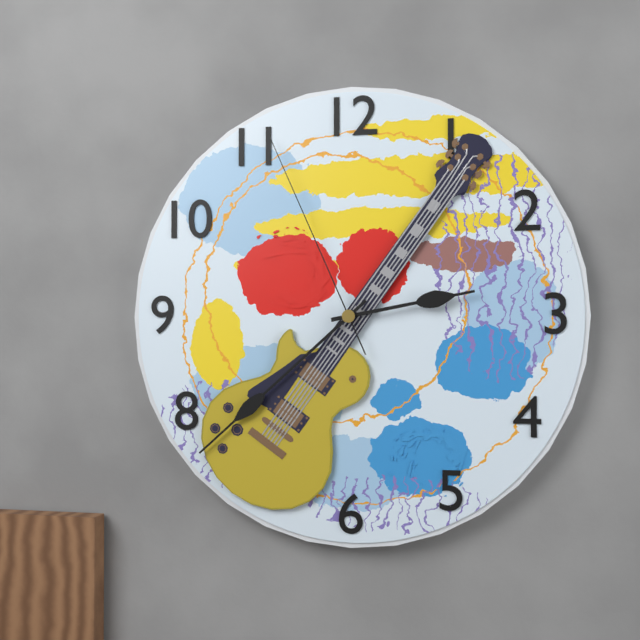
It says 2:38:56
